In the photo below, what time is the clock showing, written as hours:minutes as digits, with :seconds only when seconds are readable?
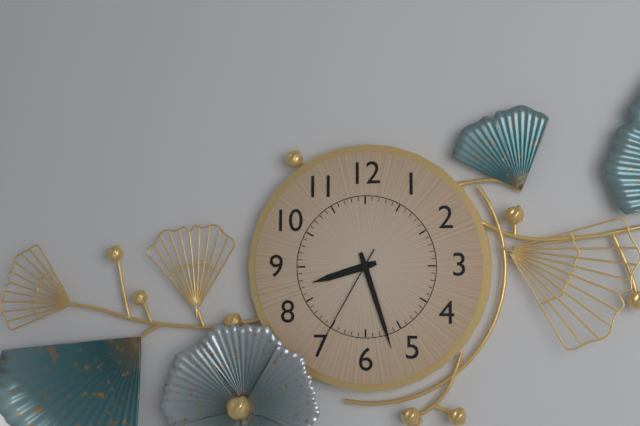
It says 8:27:35
